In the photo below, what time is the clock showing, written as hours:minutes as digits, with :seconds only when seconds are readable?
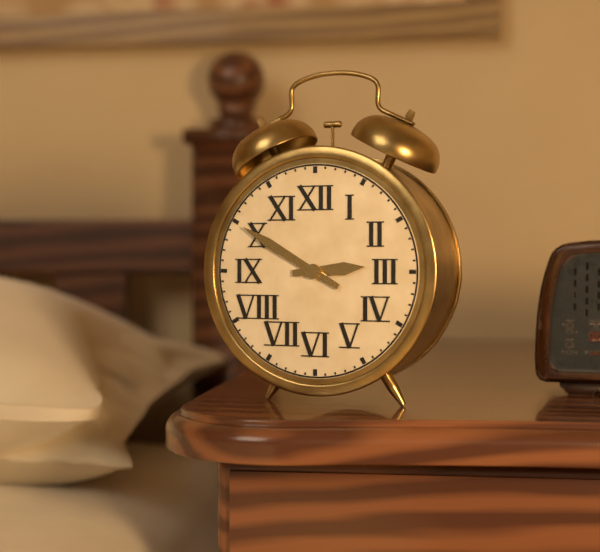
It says 2:50
